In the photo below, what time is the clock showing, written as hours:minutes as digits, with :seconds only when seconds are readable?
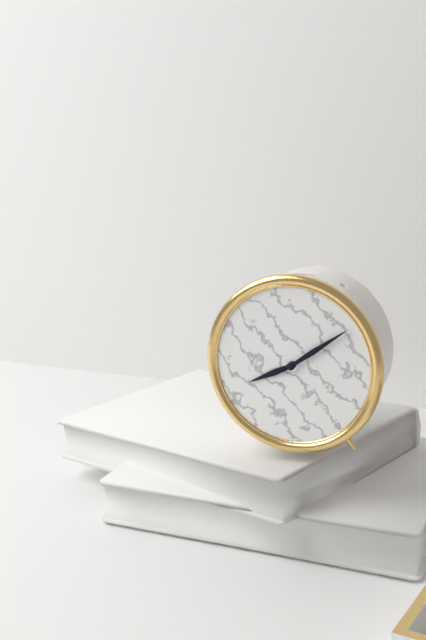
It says 8:09
